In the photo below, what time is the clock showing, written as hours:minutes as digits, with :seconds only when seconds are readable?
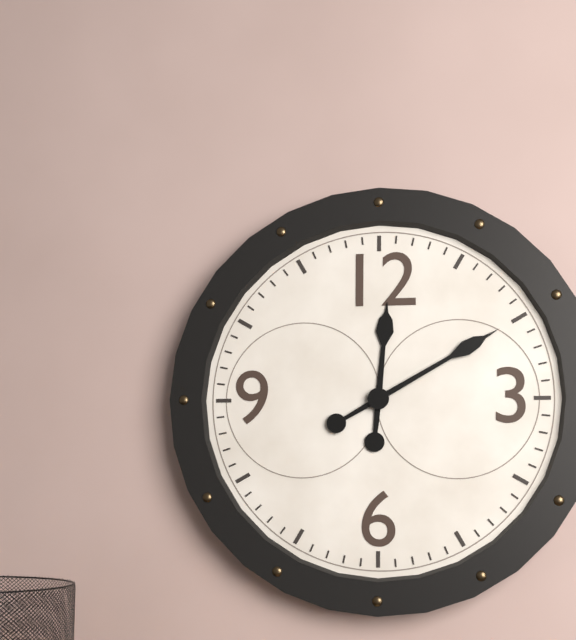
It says 12:10
